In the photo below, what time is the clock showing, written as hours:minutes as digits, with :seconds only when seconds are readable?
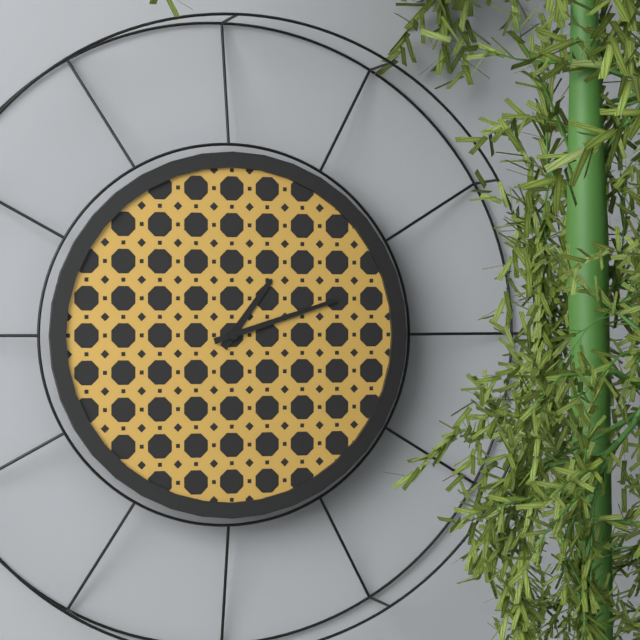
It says 1:12
